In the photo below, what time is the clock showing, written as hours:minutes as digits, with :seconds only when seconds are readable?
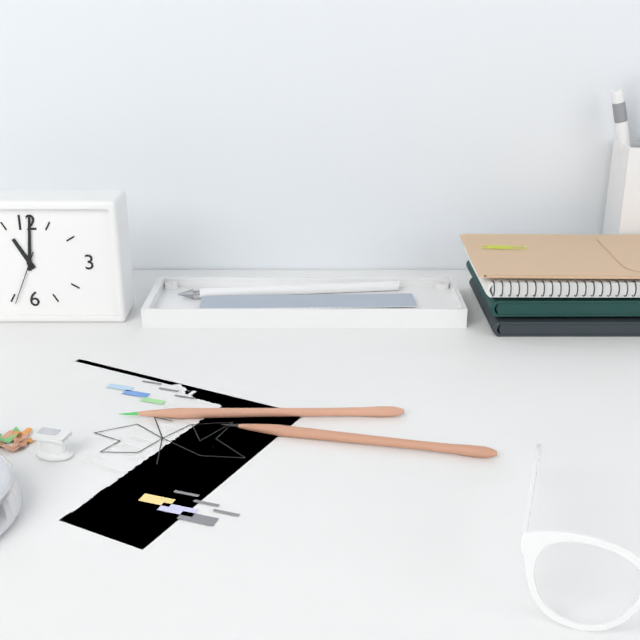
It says 11:01:34
